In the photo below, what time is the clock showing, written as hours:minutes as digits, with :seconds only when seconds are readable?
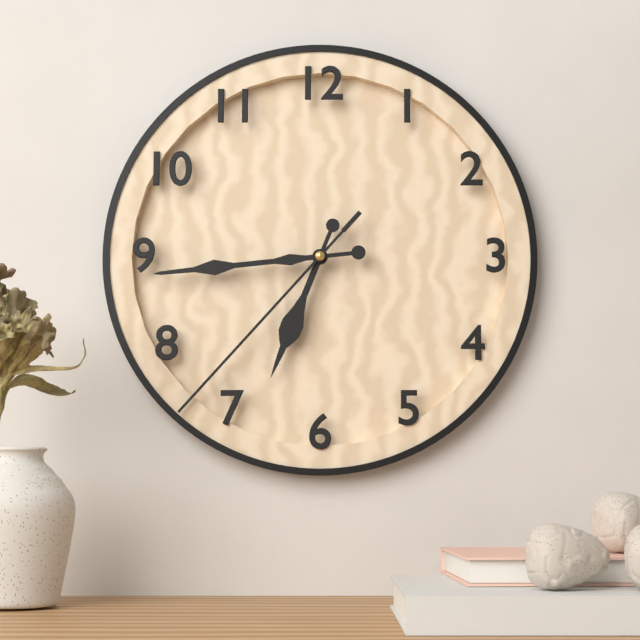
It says 6:44:37
